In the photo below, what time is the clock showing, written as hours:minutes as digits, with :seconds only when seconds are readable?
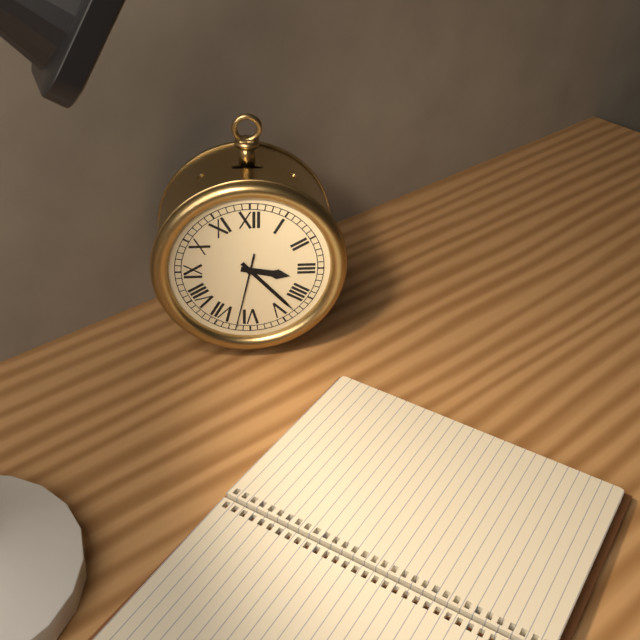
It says 3:23:32
